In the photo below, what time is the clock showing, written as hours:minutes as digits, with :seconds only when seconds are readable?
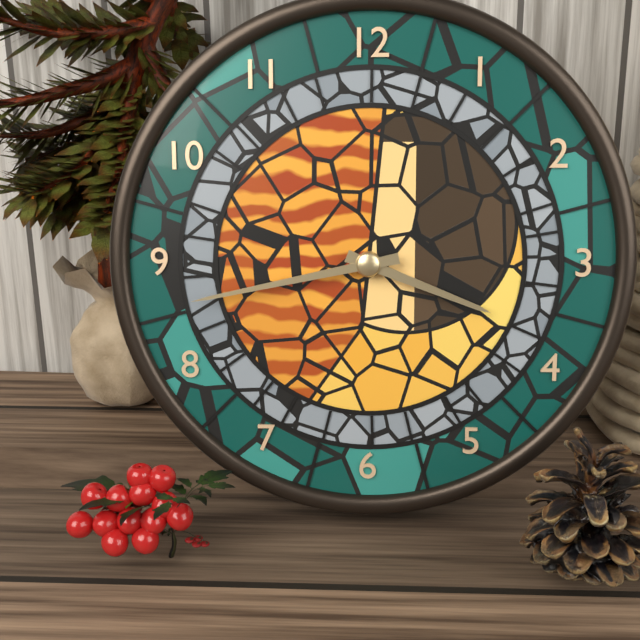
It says 3:43
